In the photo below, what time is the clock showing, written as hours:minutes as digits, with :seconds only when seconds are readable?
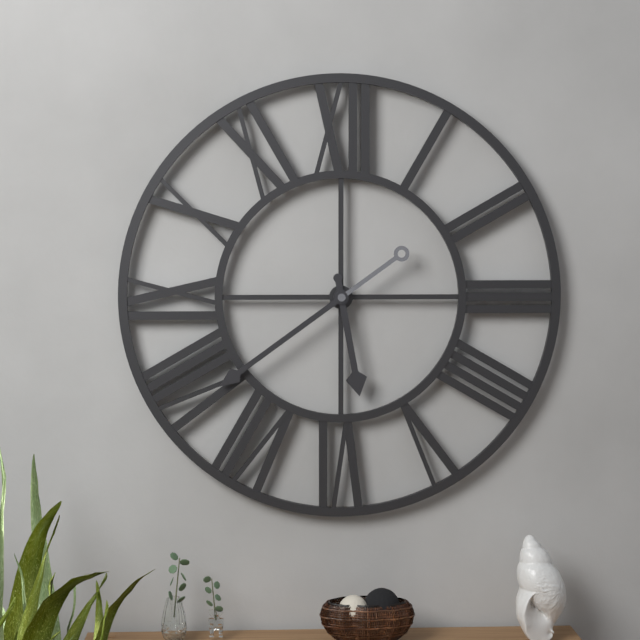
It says 5:39
